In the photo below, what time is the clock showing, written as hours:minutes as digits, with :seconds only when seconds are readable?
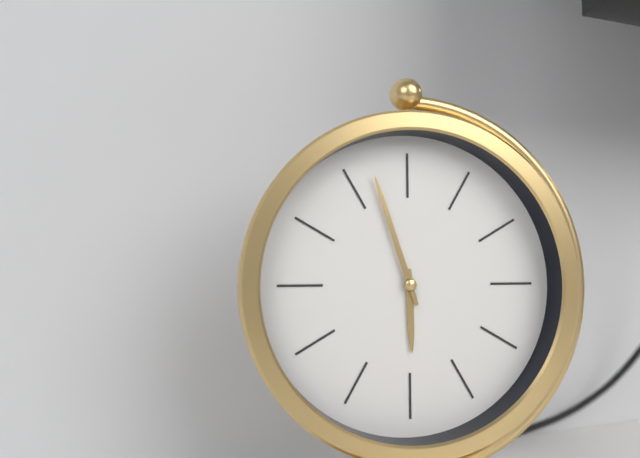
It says 5:57
